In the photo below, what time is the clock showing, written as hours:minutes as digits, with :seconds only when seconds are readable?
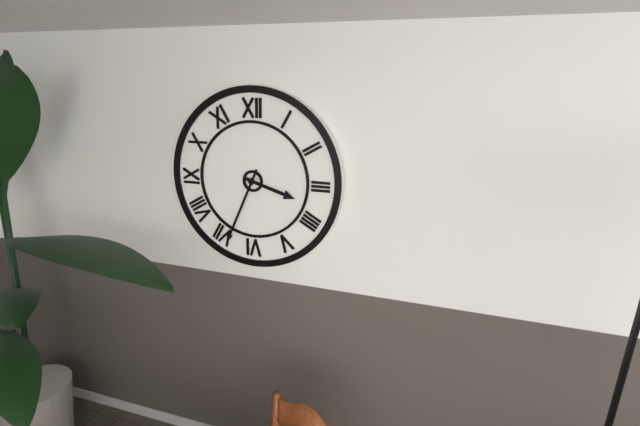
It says 3:34
